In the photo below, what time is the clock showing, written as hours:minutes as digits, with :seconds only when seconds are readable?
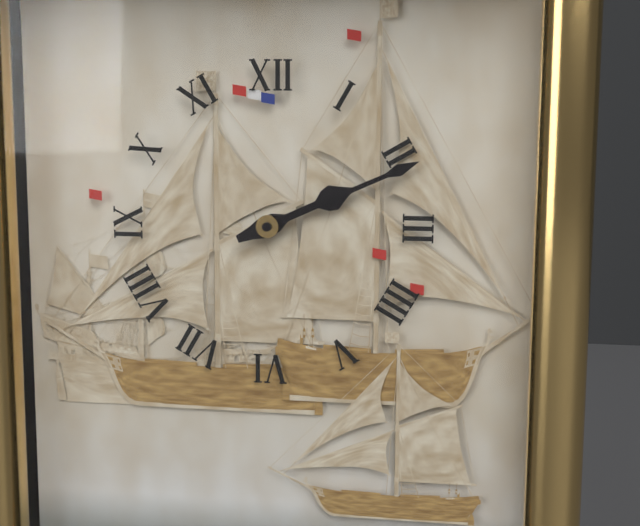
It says 2:11
